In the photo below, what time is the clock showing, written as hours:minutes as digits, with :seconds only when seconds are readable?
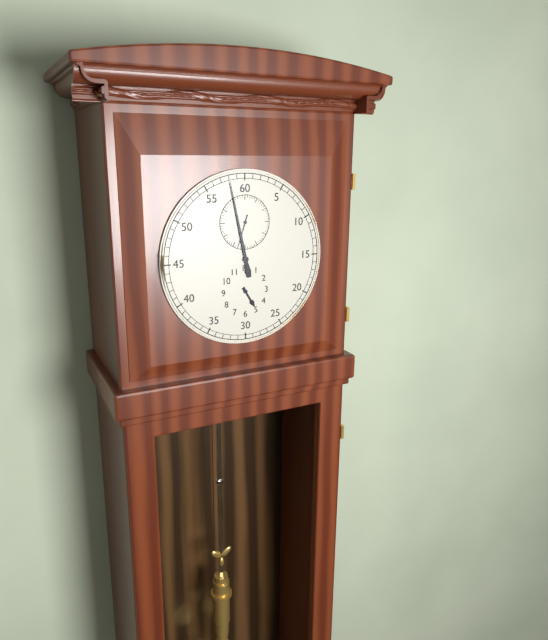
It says 4:58
